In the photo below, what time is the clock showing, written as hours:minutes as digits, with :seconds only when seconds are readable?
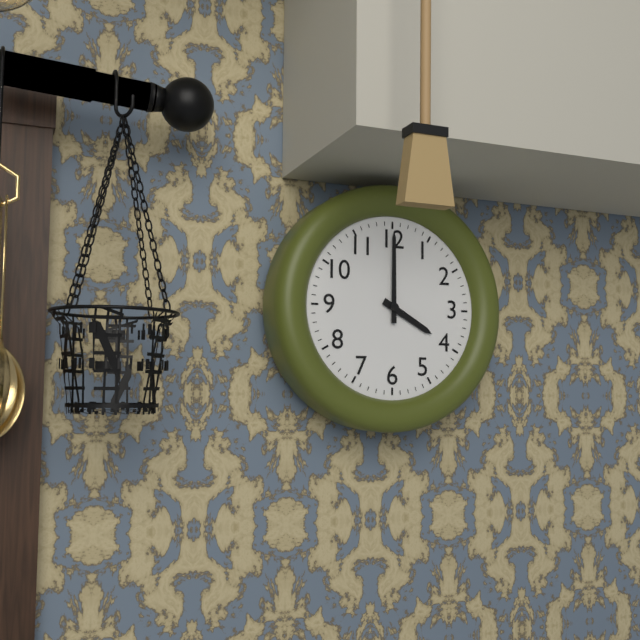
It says 4:00
